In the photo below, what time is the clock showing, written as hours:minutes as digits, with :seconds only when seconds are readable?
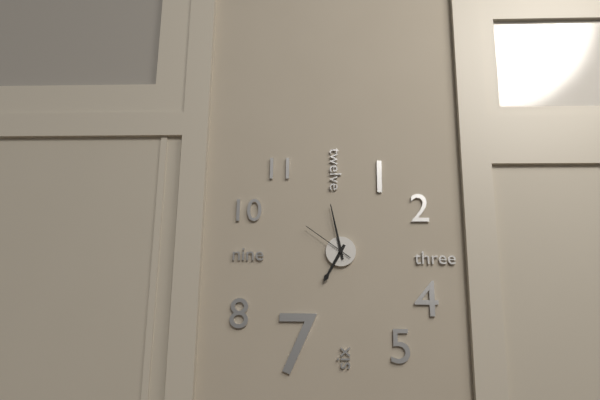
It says 6:58:51
